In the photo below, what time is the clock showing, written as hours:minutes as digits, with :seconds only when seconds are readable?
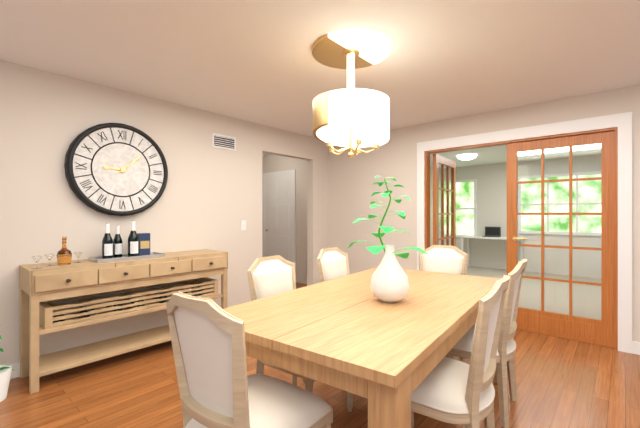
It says 9:08
